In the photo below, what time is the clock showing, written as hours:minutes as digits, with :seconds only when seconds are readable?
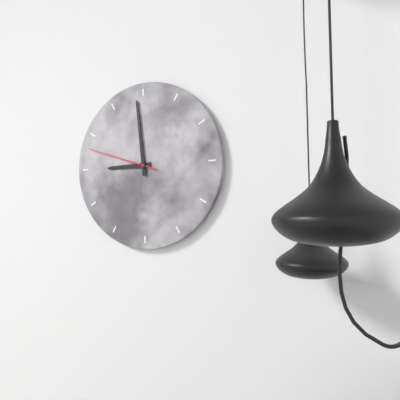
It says 8:59:48
